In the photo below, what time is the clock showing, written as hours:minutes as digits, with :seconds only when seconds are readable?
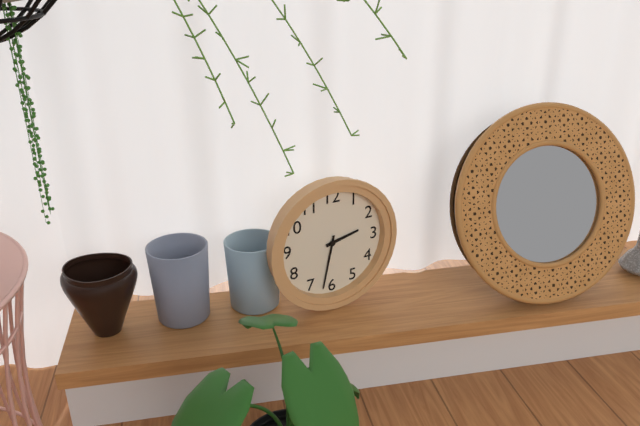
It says 2:32
